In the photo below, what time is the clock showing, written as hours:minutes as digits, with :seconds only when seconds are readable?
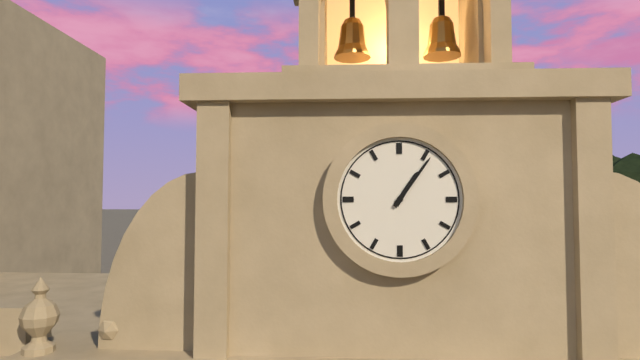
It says 1:06
